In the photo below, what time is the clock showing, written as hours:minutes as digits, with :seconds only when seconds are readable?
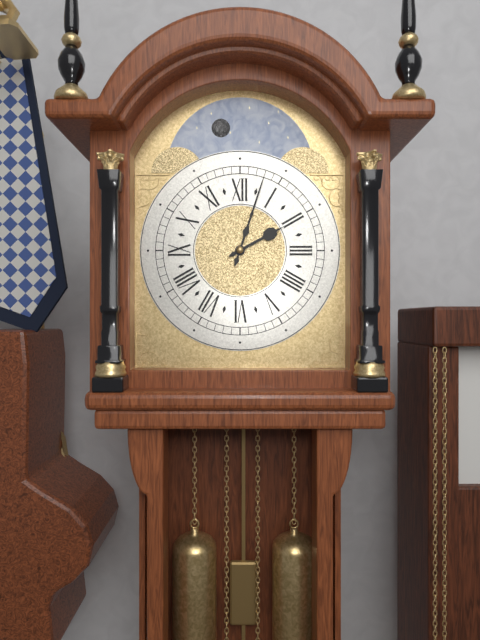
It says 2:03
